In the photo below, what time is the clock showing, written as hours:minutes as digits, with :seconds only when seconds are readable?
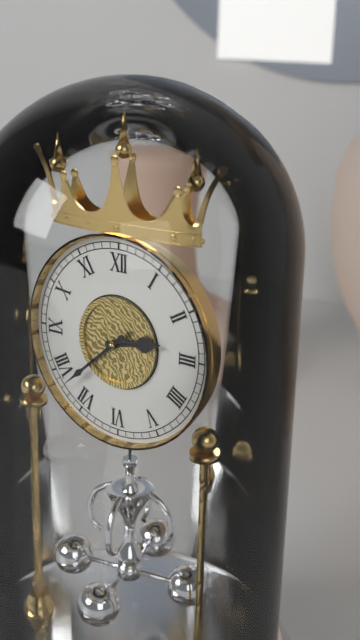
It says 2:38
